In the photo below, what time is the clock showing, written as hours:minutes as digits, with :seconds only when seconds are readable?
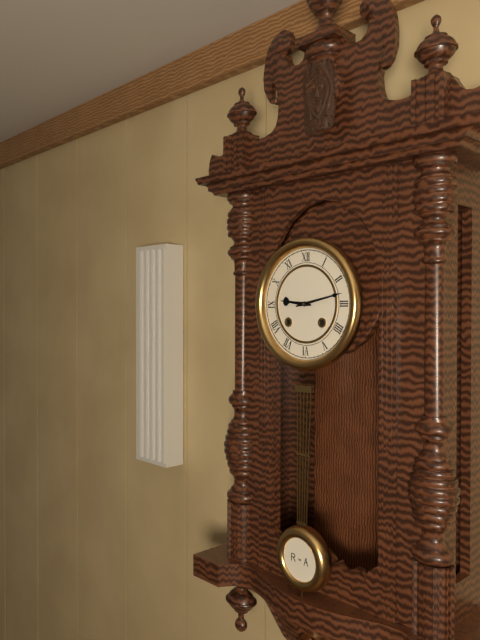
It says 9:13
